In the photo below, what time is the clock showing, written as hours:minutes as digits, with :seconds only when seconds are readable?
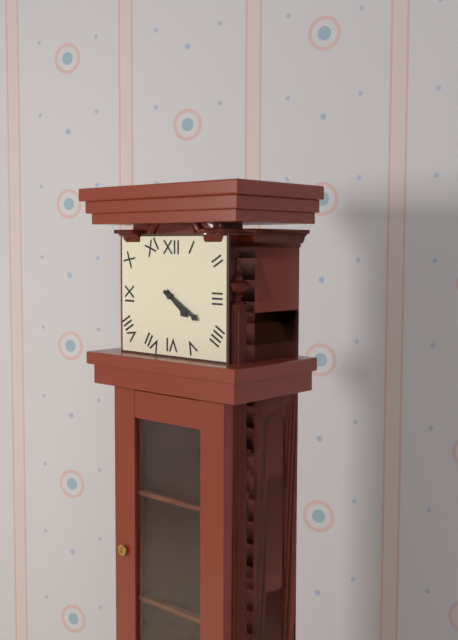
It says 4:20
